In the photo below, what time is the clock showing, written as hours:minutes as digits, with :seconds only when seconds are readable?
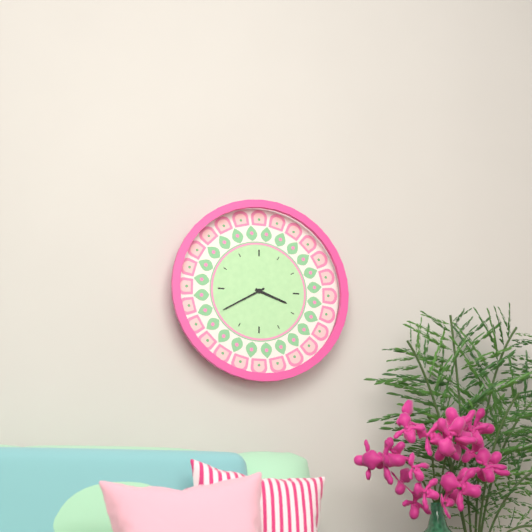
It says 3:40
